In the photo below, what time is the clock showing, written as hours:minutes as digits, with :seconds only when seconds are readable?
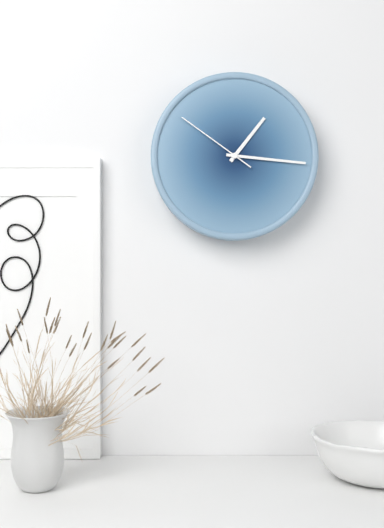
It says 1:16:51
